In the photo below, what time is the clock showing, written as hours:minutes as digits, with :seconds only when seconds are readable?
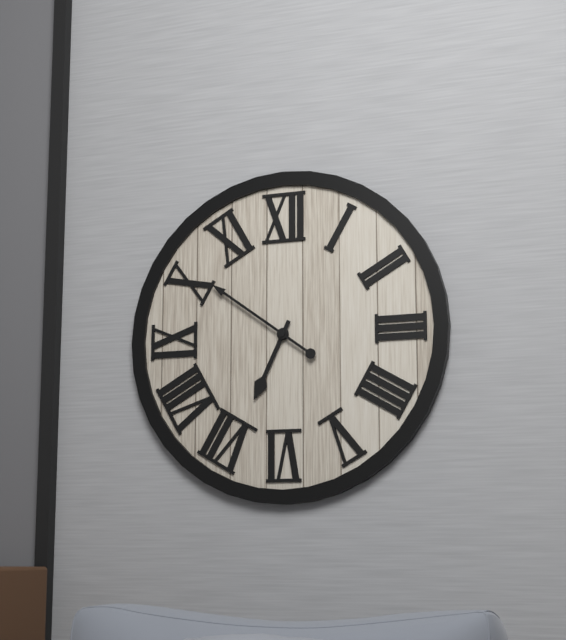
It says 6:51
